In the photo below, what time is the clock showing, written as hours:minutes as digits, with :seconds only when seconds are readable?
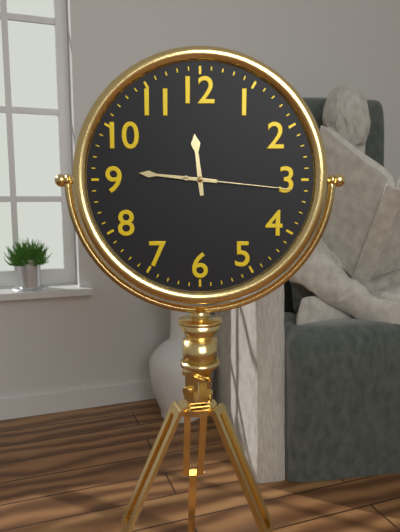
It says 11:46:16
